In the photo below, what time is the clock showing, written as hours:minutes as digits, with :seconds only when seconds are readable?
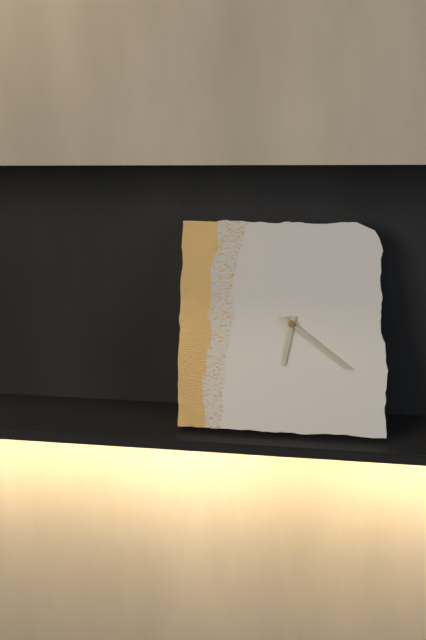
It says 6:21
